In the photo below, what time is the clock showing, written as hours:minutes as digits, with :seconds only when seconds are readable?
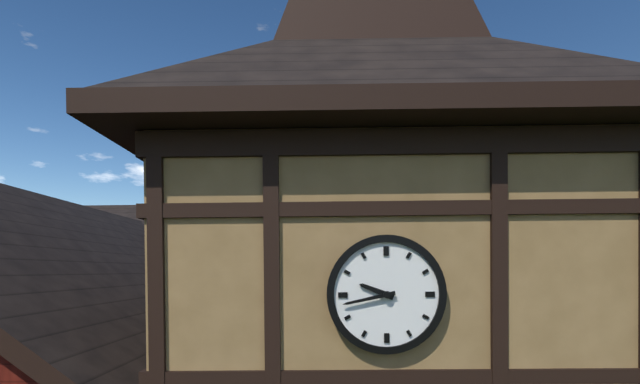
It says 9:43
